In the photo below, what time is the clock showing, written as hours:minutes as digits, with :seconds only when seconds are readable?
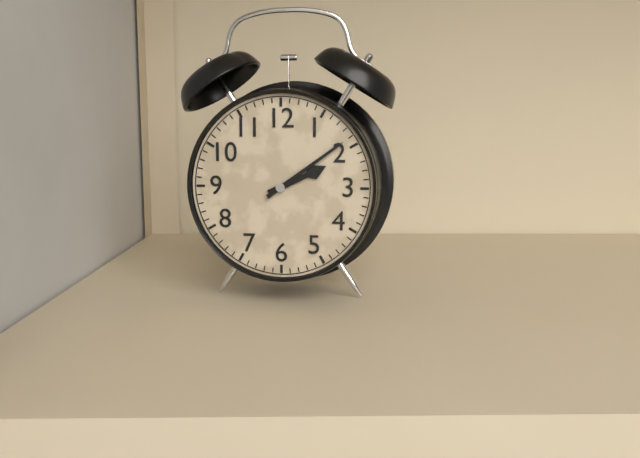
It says 2:09
